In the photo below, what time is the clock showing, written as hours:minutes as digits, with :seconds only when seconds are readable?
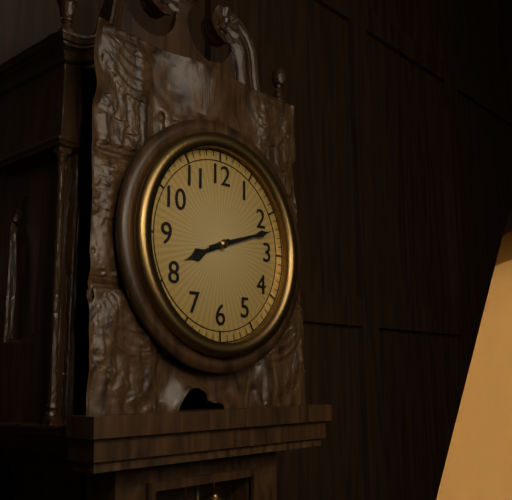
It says 8:12
